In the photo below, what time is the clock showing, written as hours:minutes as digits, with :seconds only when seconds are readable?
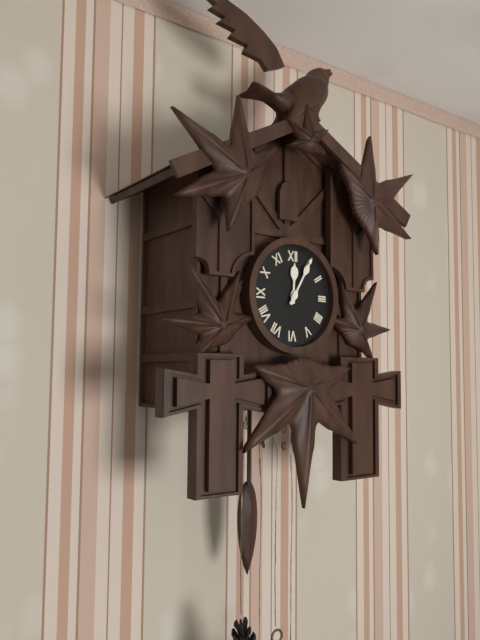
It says 12:05
